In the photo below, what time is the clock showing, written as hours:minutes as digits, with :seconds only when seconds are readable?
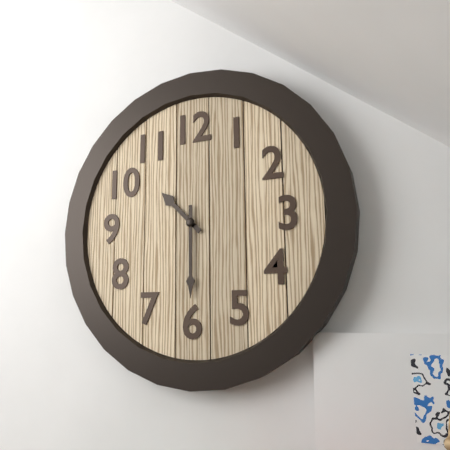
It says 10:30
